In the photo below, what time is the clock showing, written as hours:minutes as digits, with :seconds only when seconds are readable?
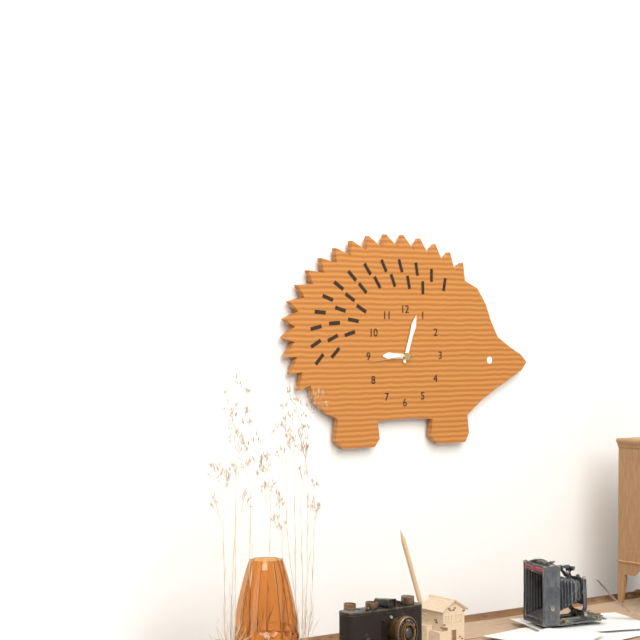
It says 9:03
